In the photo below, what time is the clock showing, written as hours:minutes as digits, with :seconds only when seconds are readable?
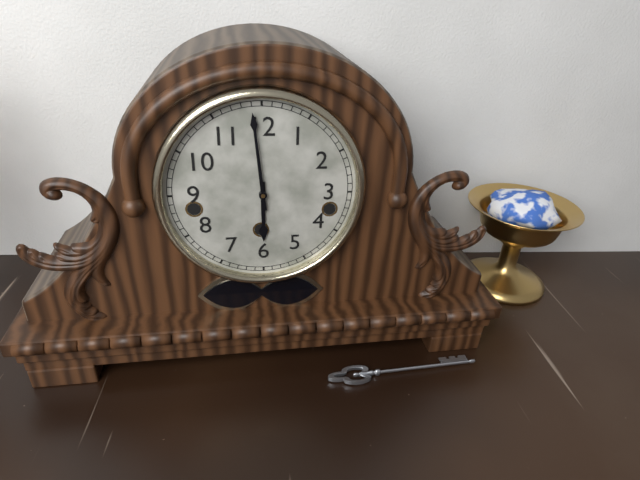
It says 5:59
